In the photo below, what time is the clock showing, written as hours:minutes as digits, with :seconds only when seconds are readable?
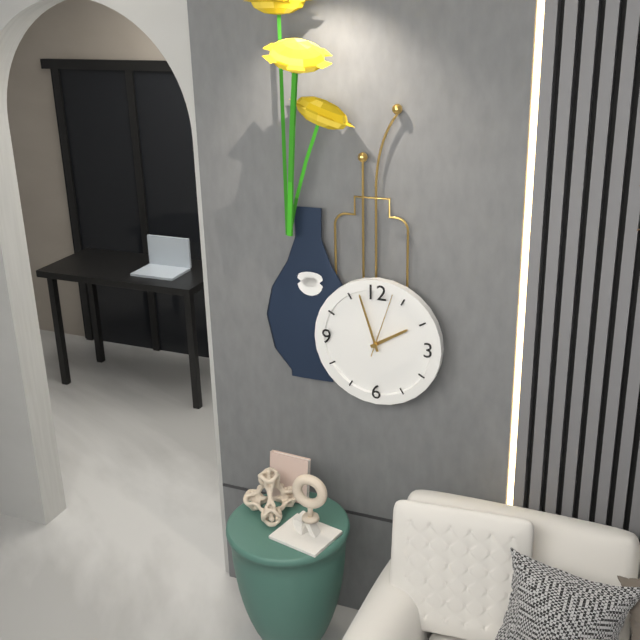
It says 1:57:03
